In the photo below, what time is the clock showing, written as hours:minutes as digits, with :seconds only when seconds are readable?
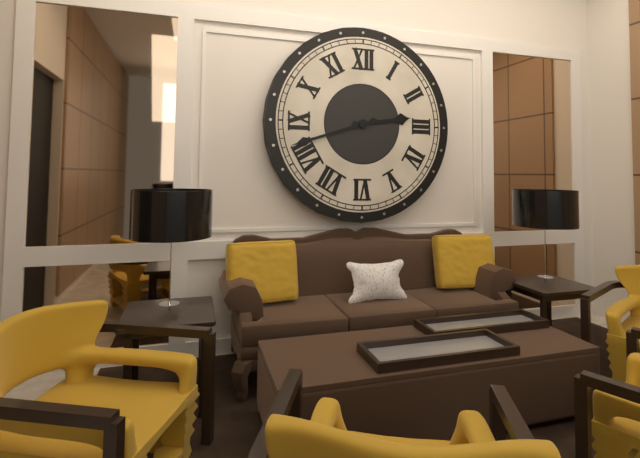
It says 2:42
